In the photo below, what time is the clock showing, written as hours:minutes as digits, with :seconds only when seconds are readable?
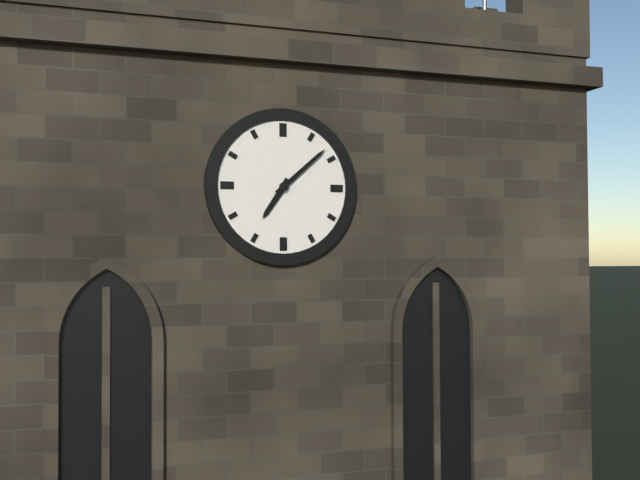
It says 7:08
